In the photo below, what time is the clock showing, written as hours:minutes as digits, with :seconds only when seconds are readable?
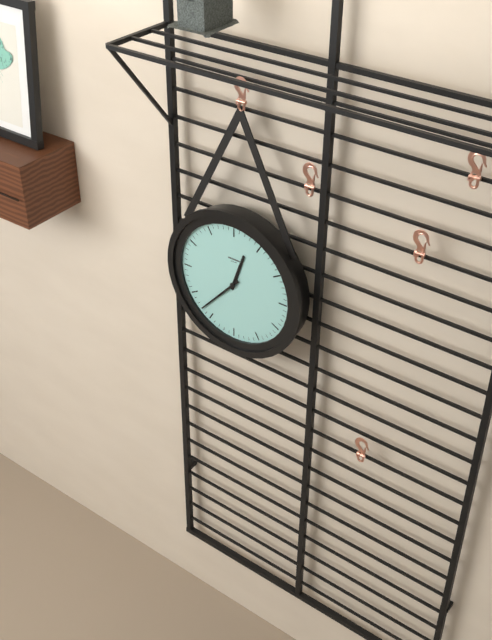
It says 12:37
